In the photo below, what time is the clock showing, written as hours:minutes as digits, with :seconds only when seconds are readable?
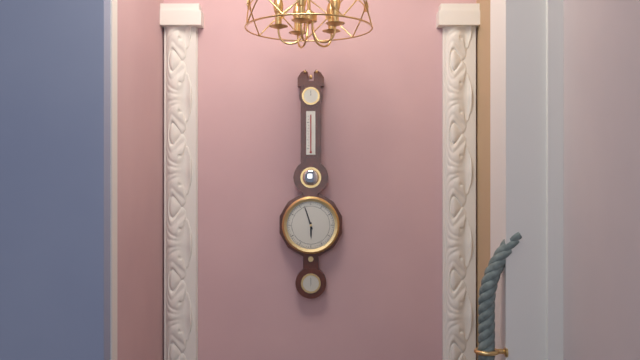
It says 5:57
